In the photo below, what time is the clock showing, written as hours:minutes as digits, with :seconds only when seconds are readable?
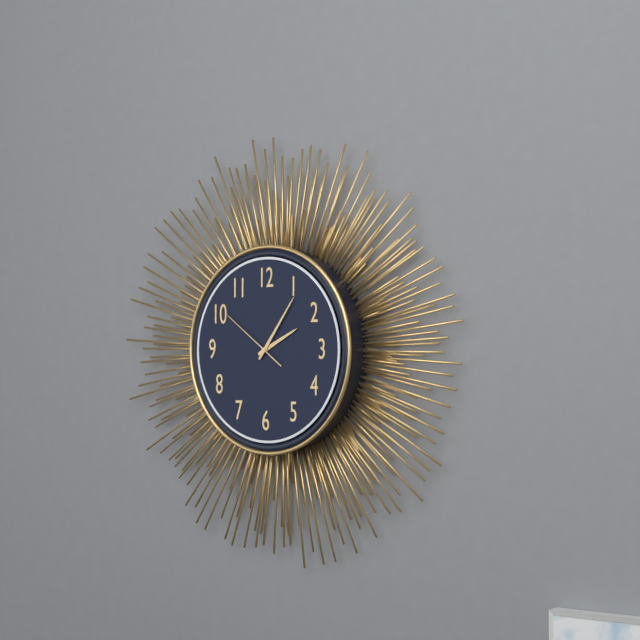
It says 2:06:51
